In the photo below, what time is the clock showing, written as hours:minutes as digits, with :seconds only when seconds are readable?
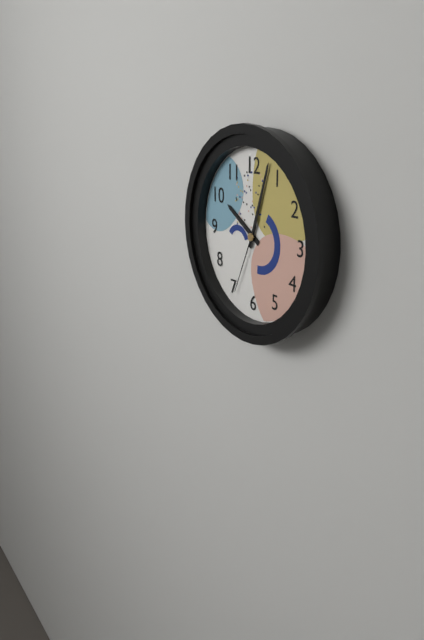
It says 10:03:34
